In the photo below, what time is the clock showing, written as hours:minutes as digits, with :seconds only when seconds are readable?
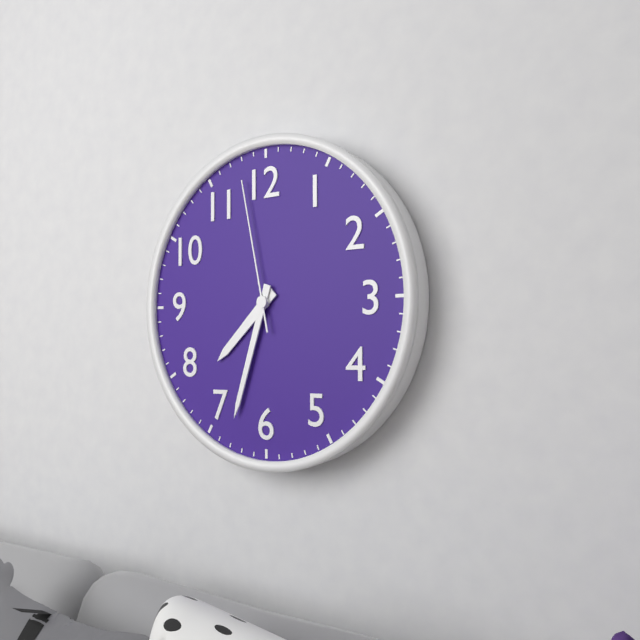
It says 7:33:58
